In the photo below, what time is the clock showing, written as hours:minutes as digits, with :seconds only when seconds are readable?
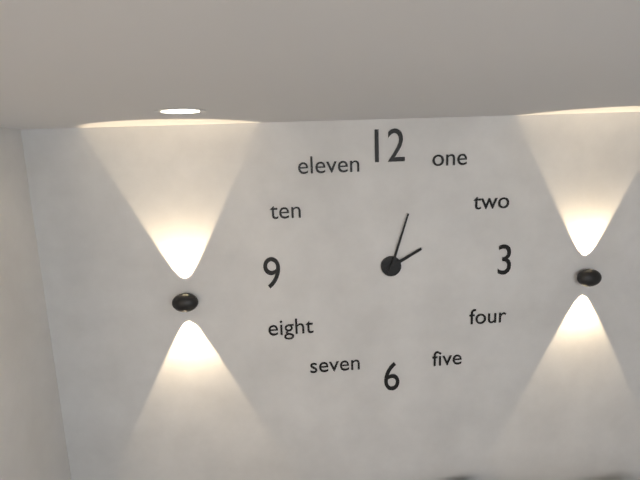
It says 2:03
